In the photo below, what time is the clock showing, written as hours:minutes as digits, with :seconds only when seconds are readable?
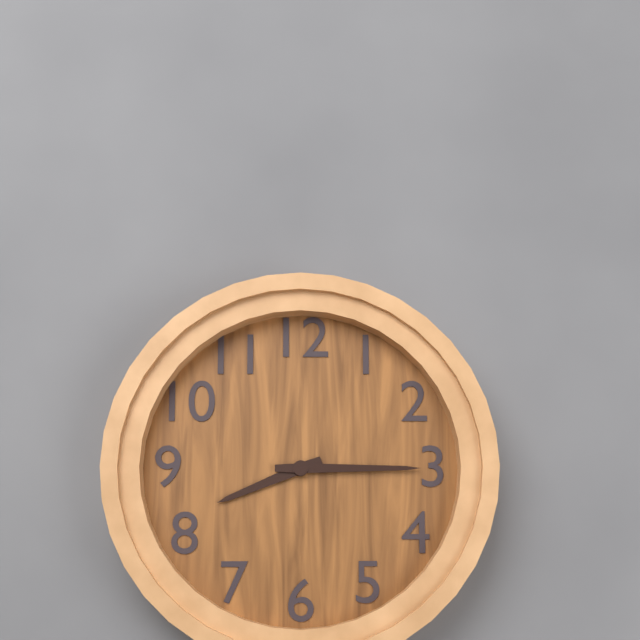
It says 8:15
